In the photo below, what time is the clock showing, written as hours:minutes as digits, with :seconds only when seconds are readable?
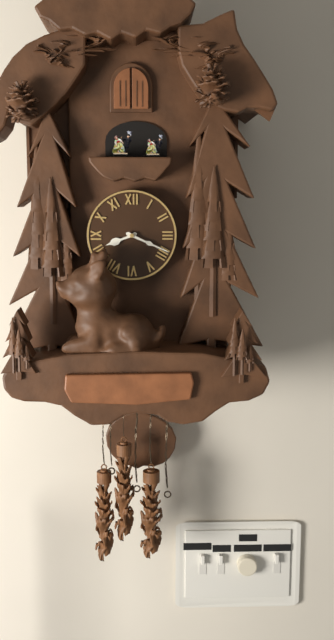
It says 8:19
